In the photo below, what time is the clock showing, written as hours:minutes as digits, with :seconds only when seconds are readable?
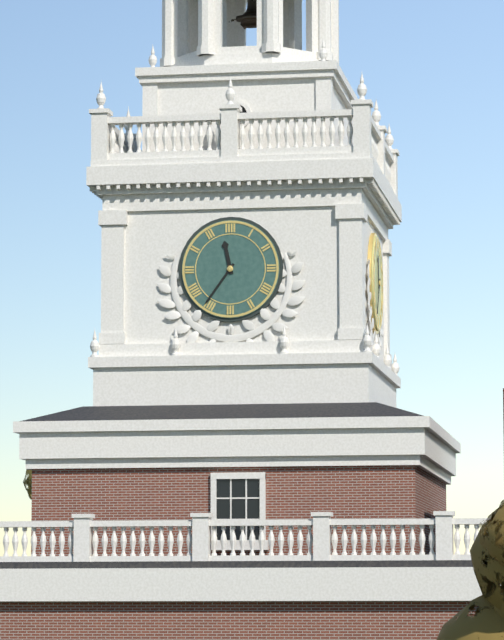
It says 11:36
